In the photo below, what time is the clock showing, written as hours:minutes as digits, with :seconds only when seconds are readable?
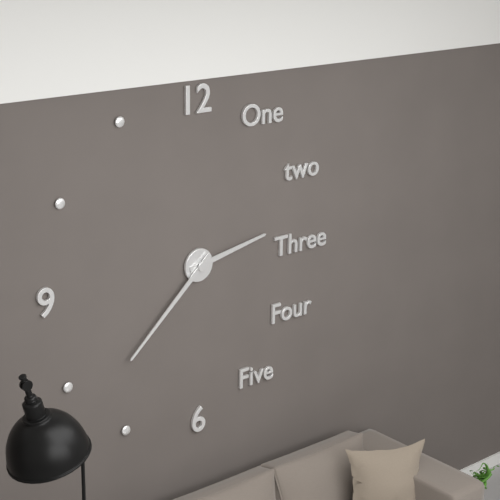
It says 2:38
